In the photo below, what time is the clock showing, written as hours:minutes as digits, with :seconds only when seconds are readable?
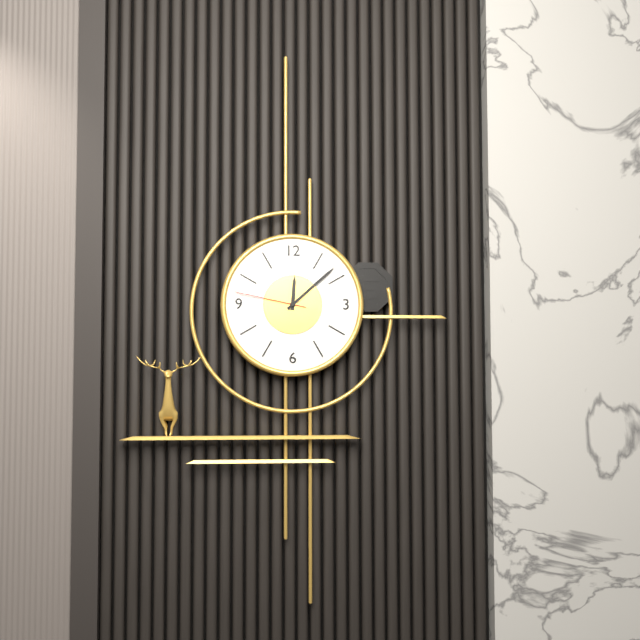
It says 12:08:47
